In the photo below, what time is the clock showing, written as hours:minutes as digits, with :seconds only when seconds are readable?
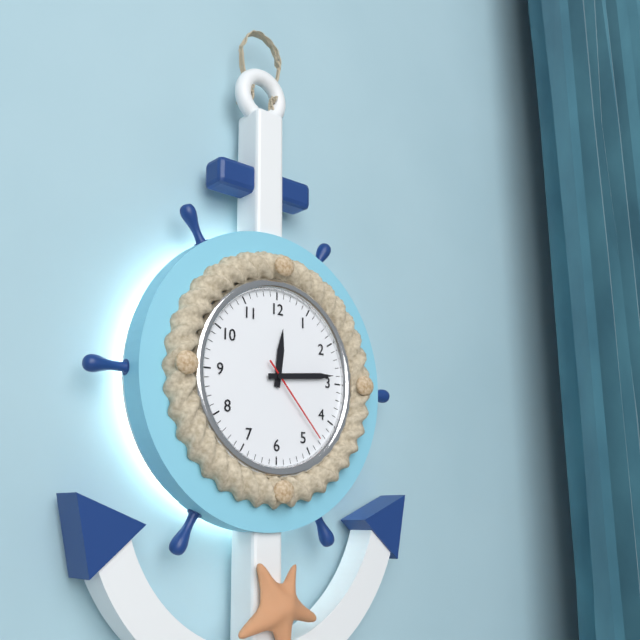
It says 12:14:23
